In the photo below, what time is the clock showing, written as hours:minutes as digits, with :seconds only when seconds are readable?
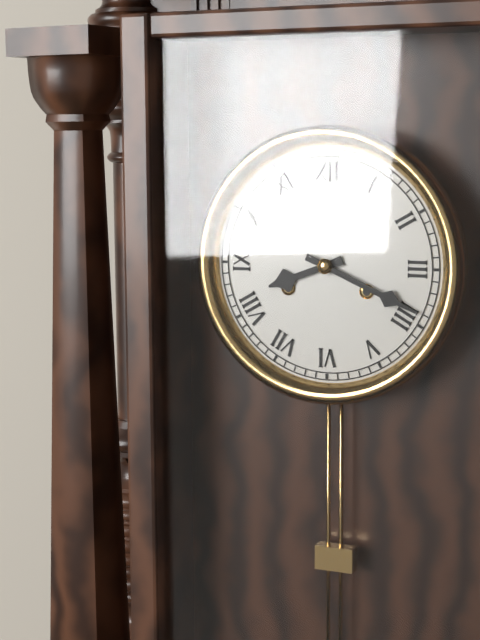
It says 8:19
